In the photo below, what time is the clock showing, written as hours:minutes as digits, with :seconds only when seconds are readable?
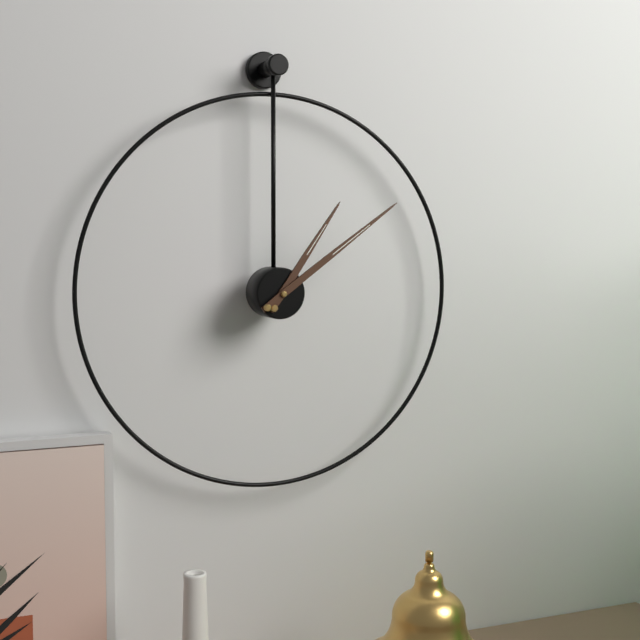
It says 1:09
